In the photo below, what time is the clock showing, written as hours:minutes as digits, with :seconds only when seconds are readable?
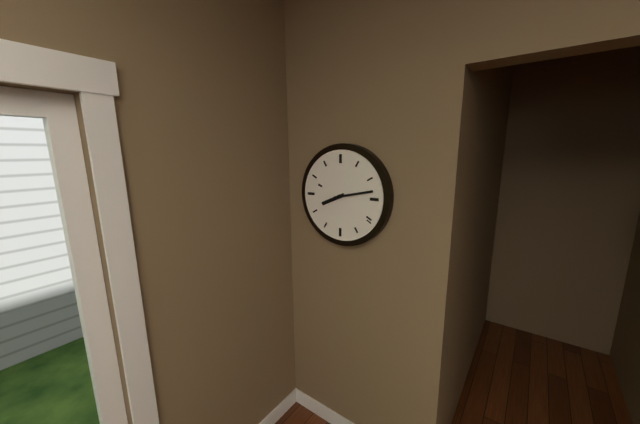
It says 8:13
